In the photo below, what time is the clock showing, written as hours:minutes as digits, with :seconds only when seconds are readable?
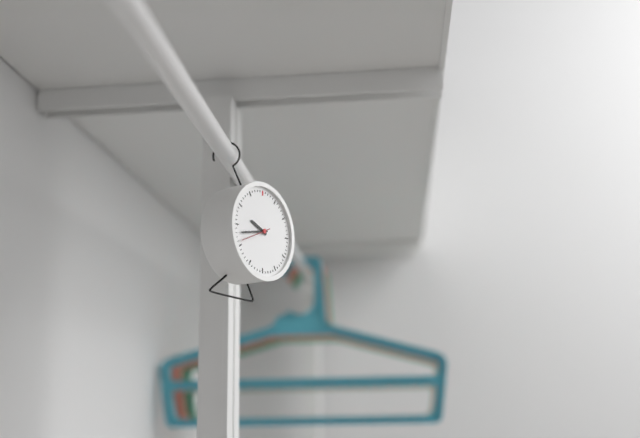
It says 9:43
